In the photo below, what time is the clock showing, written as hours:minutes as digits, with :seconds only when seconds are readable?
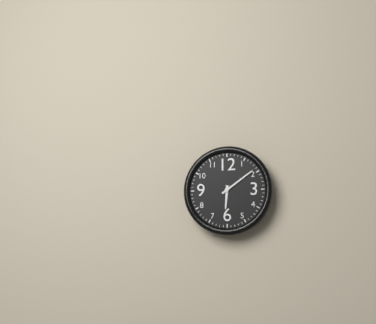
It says 6:09
